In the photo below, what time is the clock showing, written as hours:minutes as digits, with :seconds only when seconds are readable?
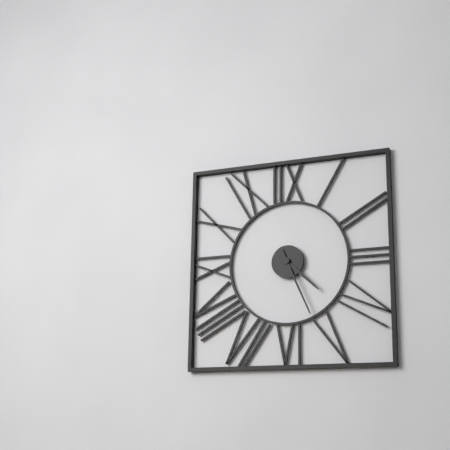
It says 4:26
